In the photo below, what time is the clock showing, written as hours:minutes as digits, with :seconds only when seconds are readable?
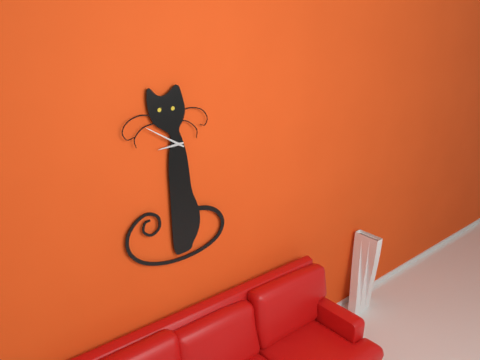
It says 8:50
